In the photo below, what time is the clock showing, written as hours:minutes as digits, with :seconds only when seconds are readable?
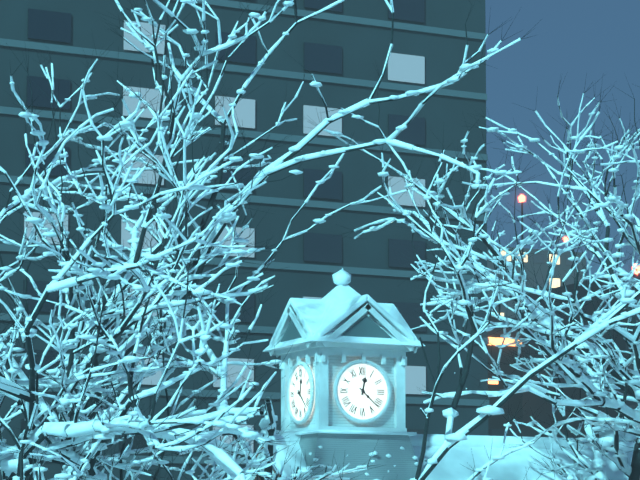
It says 12:22
